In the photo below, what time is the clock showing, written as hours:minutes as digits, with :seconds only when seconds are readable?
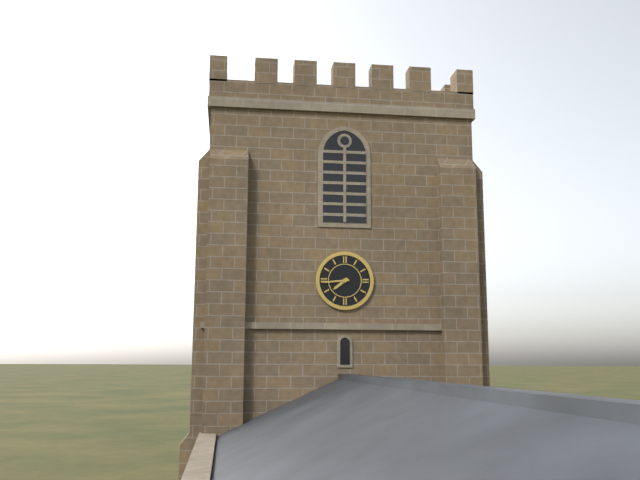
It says 7:44
